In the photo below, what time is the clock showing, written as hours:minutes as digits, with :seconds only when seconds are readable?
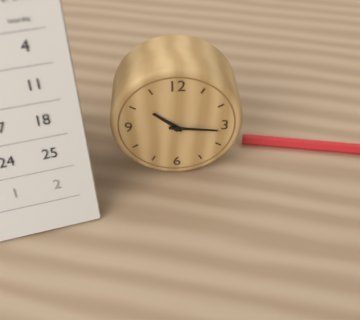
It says 10:16
